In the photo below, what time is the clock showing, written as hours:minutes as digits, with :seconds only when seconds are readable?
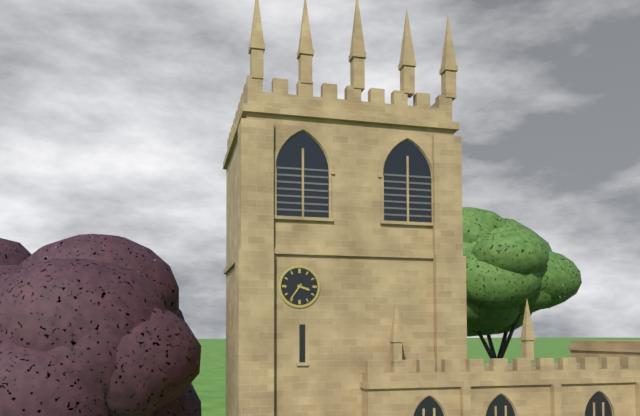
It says 3:36
